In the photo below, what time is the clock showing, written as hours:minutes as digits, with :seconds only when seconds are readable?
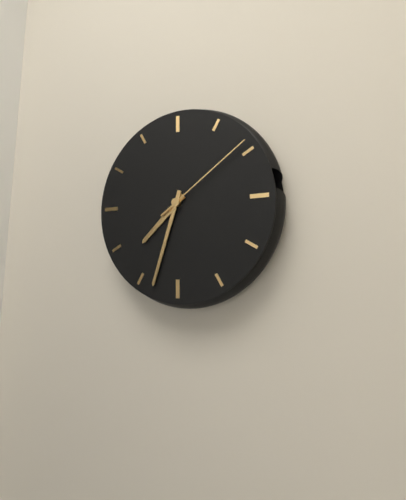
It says 7:33:09
